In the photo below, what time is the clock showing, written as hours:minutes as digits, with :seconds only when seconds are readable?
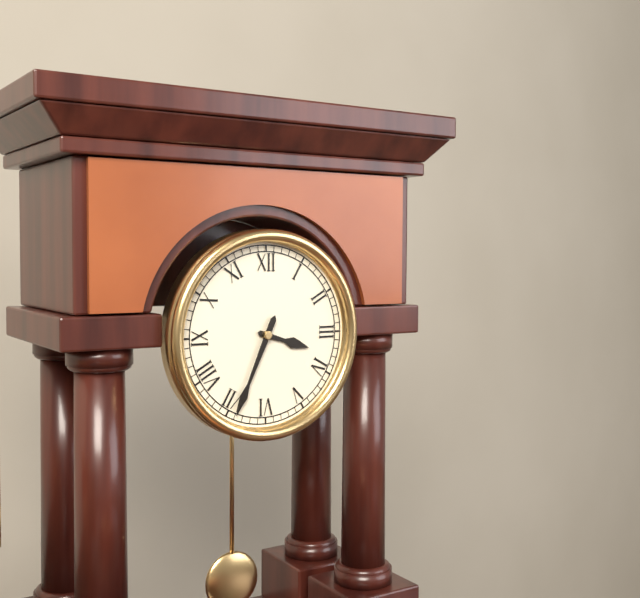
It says 3:34
